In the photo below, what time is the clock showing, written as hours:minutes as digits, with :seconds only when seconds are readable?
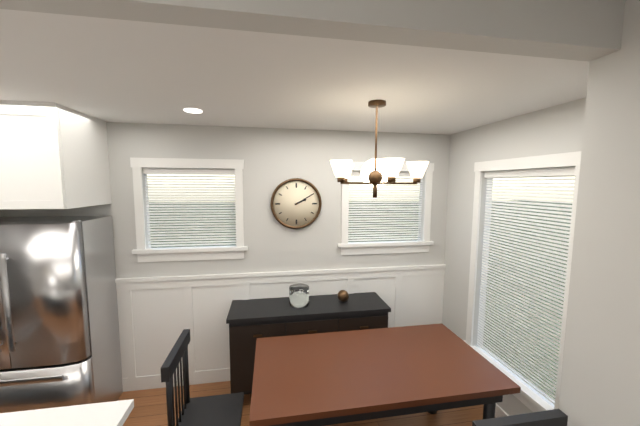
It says 2:10
